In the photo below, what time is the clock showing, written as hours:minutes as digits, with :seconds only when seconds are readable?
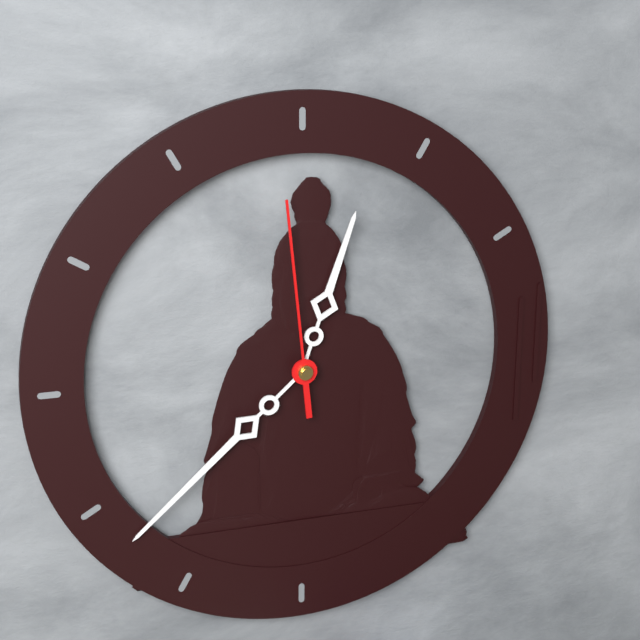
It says 12:38:59
